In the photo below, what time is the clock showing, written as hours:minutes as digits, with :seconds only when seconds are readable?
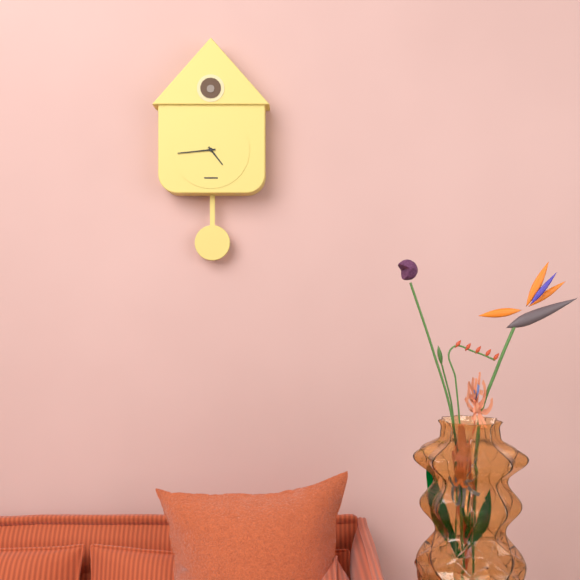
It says 4:44
